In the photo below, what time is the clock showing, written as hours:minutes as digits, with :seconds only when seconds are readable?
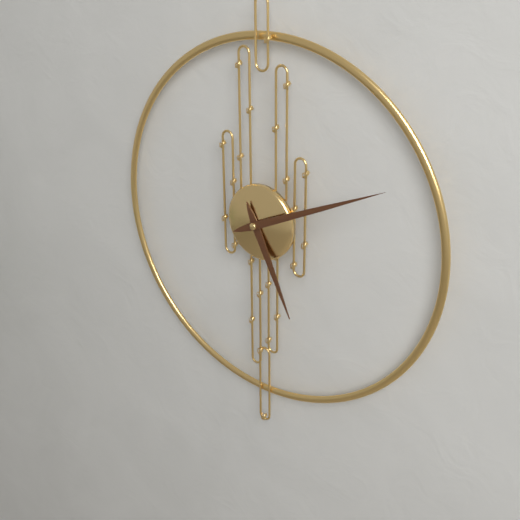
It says 5:11
